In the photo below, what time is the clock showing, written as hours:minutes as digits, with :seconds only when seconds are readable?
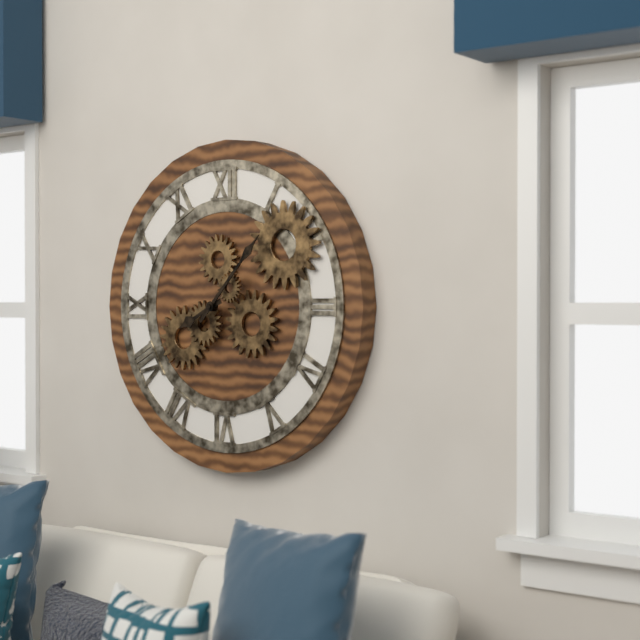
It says 8:07
